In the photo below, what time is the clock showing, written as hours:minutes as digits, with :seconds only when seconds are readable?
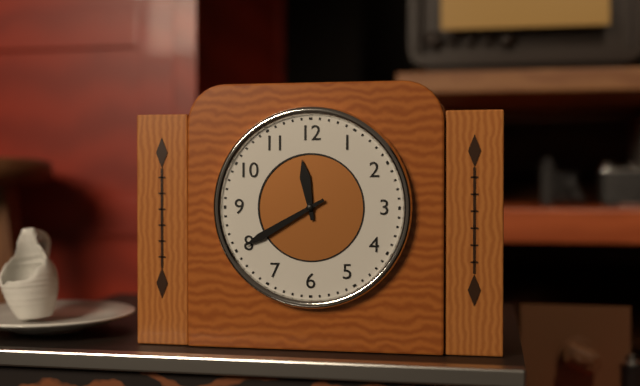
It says 11:40
